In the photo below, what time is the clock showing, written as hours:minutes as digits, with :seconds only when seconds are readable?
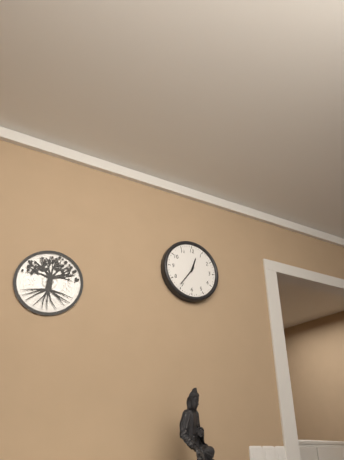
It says 12:36
